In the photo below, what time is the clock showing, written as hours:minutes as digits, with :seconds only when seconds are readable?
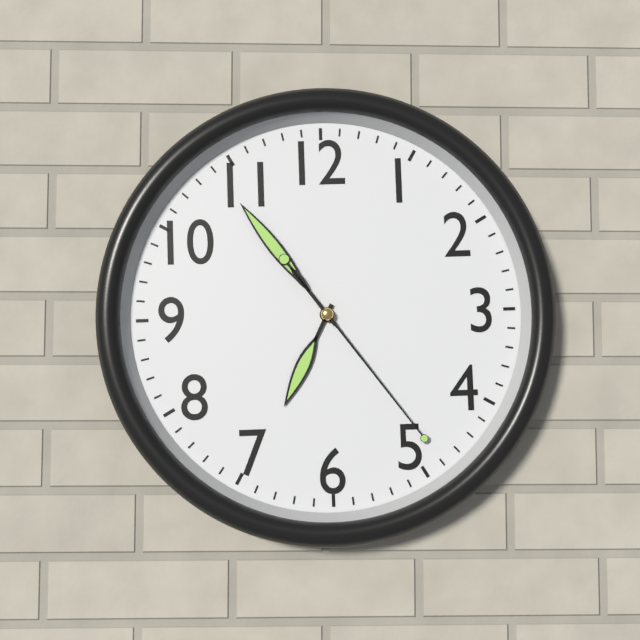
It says 6:54:24
